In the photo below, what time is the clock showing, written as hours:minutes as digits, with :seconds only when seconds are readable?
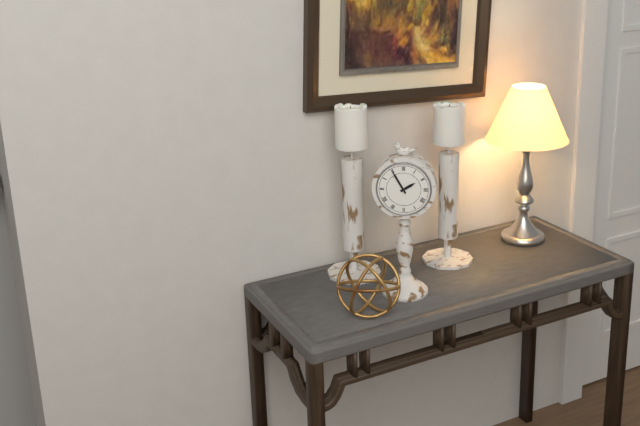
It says 1:55
